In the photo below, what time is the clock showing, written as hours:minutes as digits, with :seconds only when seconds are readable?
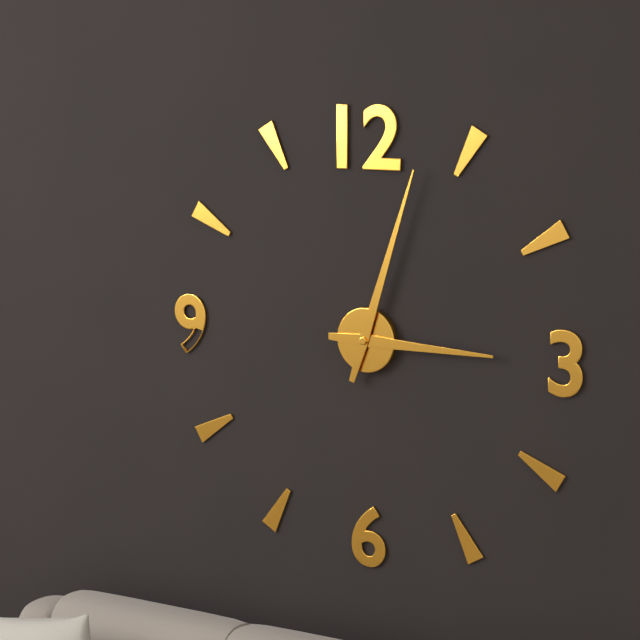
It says 3:03
